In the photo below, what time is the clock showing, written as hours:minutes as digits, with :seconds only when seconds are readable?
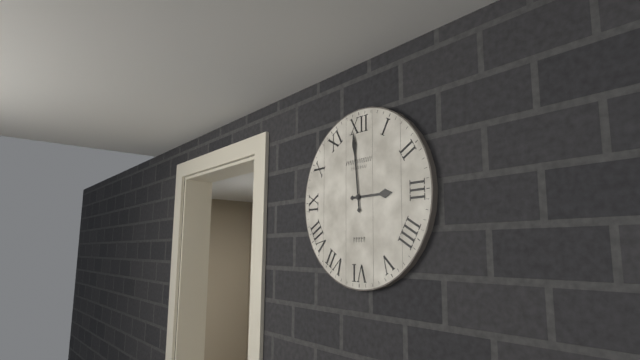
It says 2:59
